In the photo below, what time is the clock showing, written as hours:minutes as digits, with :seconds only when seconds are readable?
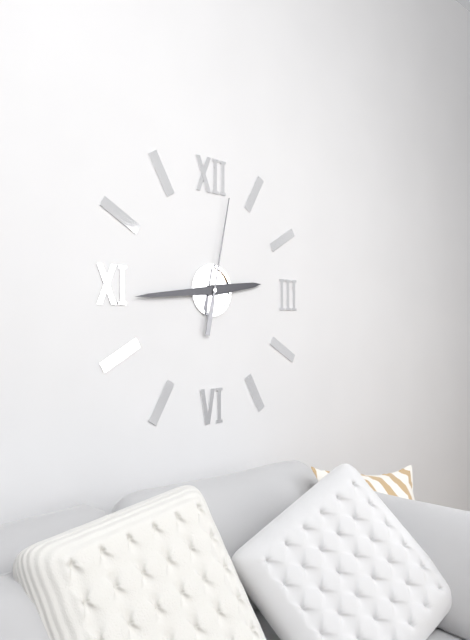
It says 2:44:02
